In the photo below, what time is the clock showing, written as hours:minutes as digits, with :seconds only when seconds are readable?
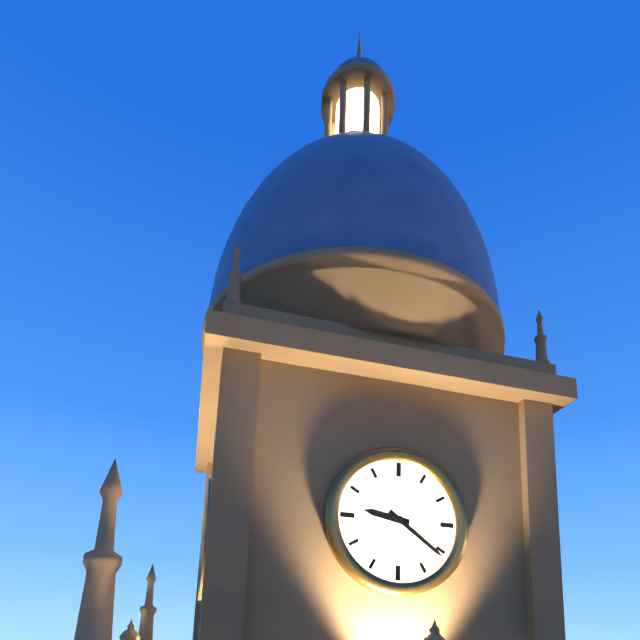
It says 9:21
